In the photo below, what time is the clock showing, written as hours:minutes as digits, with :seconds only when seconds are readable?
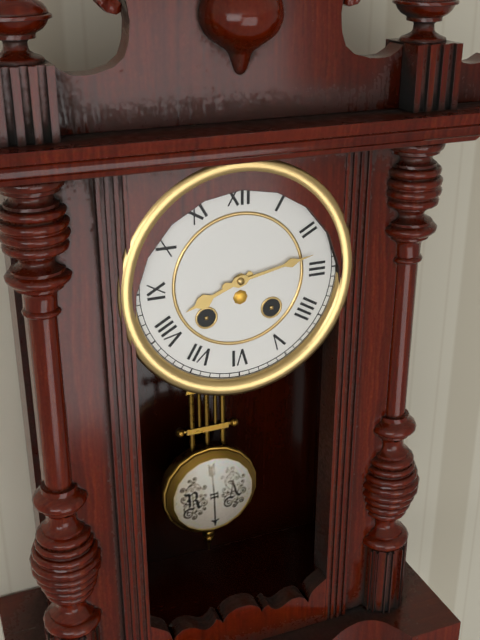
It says 8:13
